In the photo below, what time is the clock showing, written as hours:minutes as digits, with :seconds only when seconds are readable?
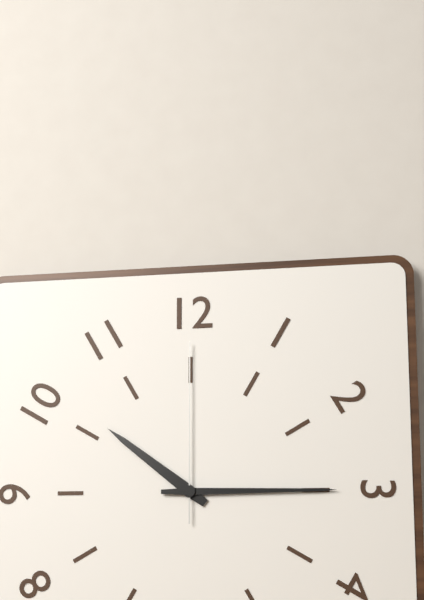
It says 10:15:00
